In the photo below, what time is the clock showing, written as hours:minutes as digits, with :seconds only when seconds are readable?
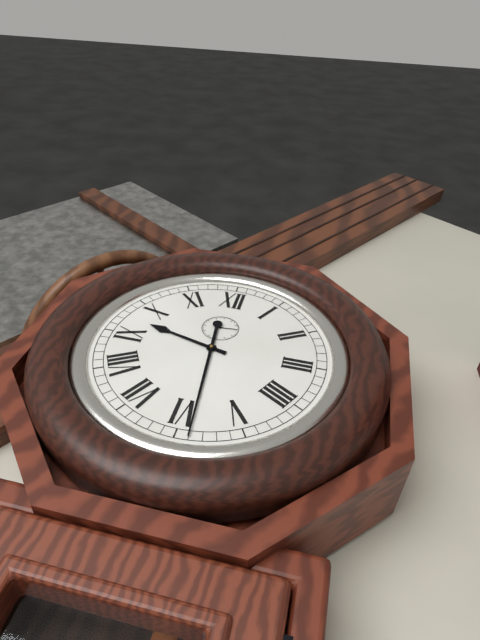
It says 9:29
